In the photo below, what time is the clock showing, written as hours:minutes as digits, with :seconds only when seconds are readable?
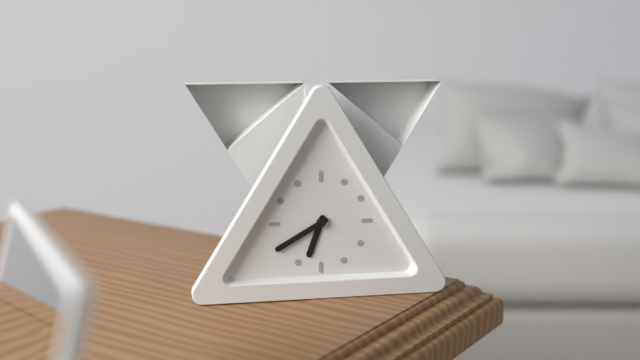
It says 6:40
